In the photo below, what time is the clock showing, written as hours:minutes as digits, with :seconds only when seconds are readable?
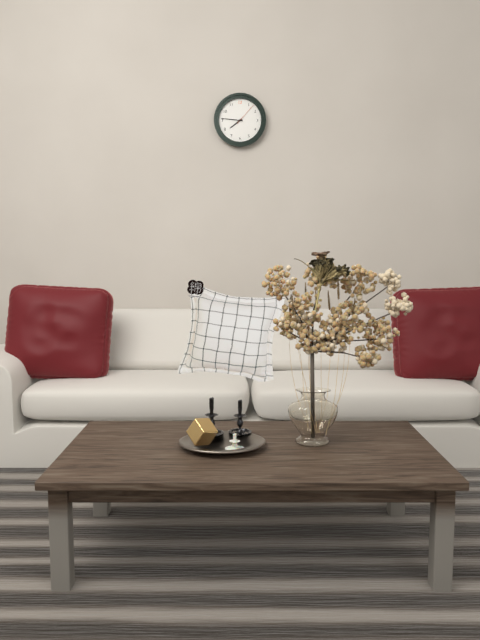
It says 7:46
